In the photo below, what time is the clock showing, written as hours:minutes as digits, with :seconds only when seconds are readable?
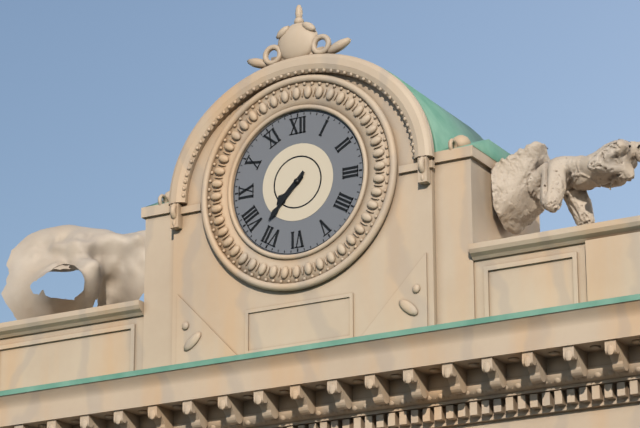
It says 7:37
